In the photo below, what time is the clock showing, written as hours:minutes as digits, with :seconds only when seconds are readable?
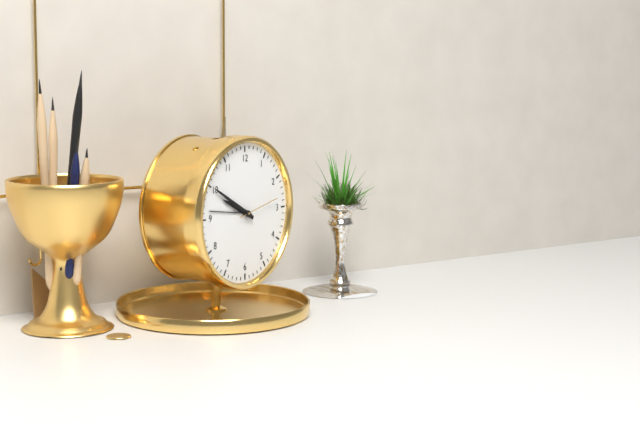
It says 9:50
